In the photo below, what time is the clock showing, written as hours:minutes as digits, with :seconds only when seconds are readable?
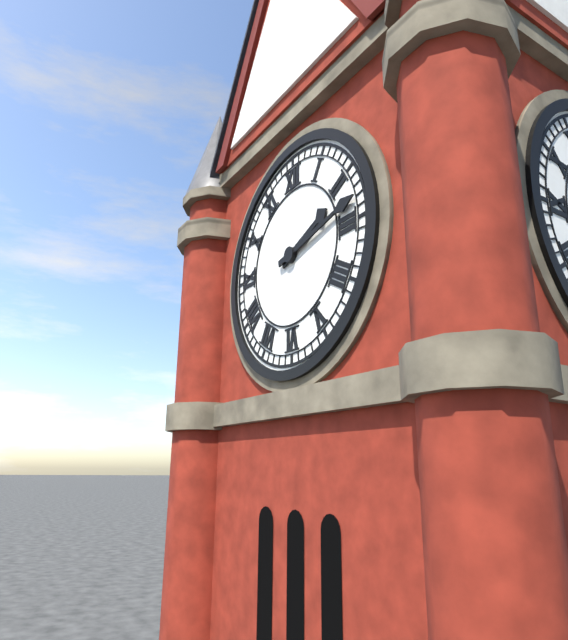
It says 2:13
